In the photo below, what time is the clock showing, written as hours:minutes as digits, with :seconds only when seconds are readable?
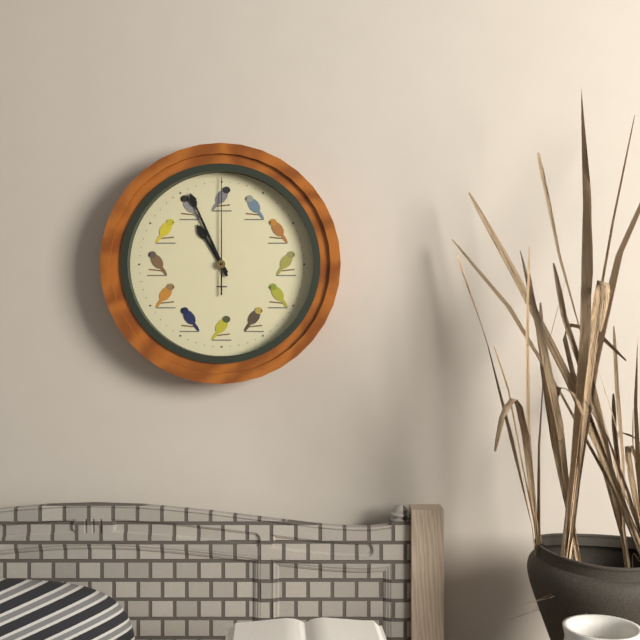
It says 10:56:00
